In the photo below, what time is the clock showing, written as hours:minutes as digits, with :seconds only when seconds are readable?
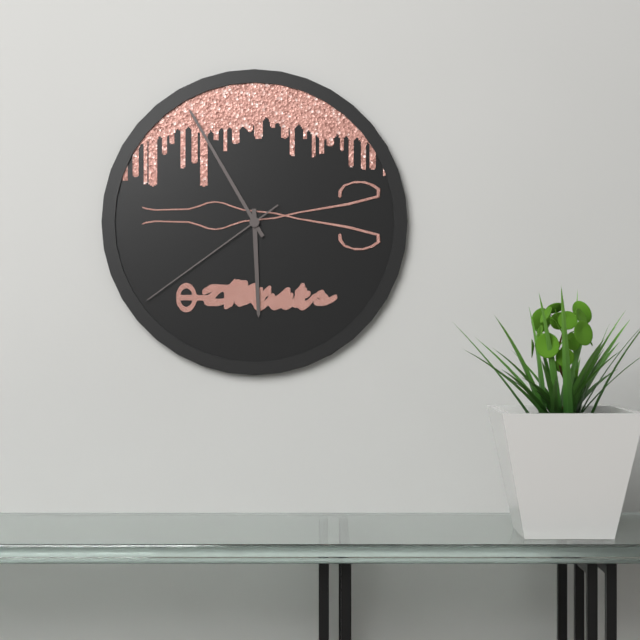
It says 5:55:39
